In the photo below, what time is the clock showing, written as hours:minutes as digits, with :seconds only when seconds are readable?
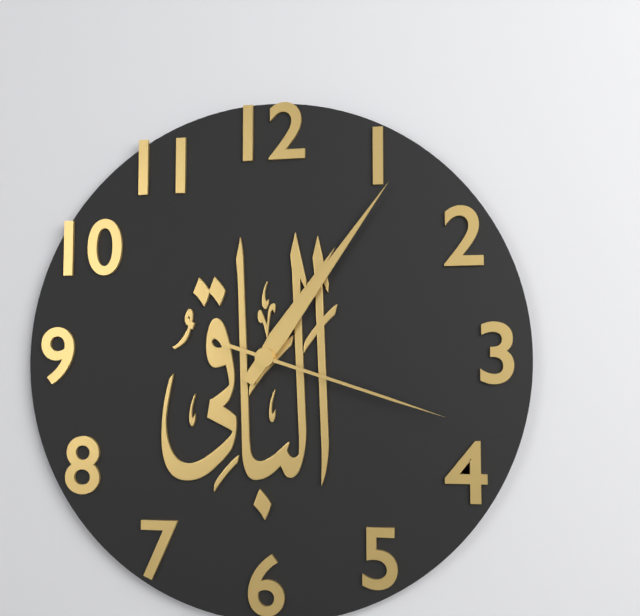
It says 1:06:18
